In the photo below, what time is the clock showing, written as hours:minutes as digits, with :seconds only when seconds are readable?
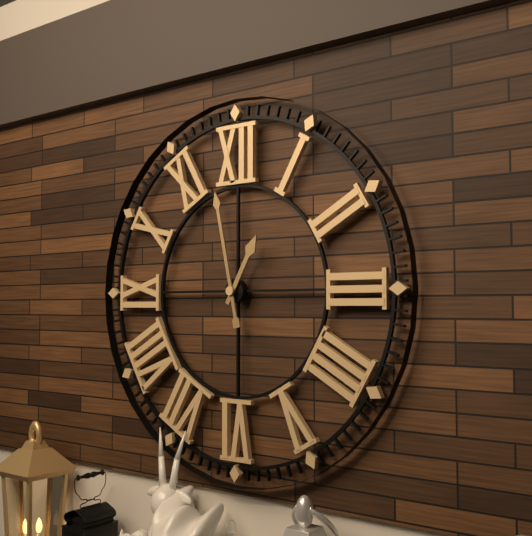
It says 12:58
